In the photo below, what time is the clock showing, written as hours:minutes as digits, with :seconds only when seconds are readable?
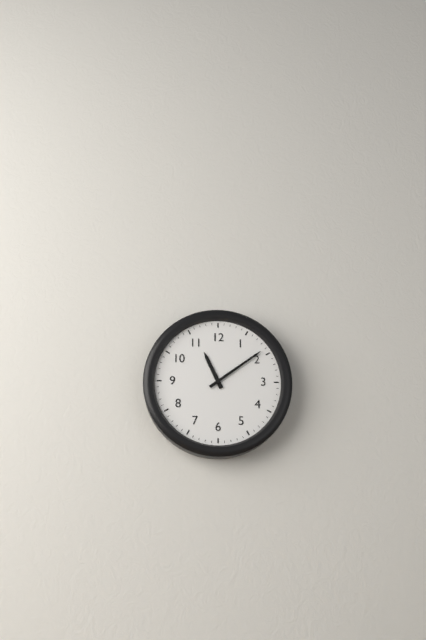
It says 11:09
